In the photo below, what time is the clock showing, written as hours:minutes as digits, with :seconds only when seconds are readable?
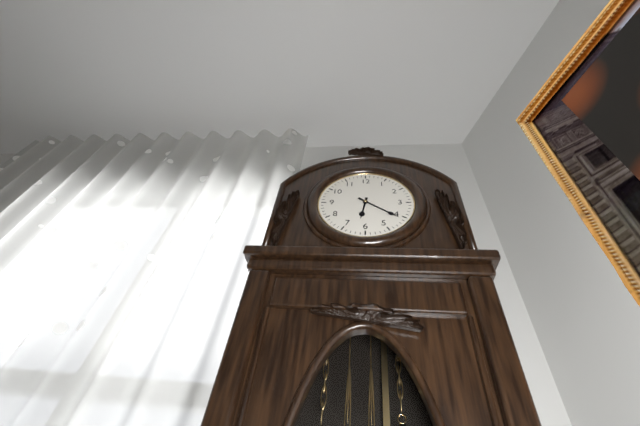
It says 6:21
